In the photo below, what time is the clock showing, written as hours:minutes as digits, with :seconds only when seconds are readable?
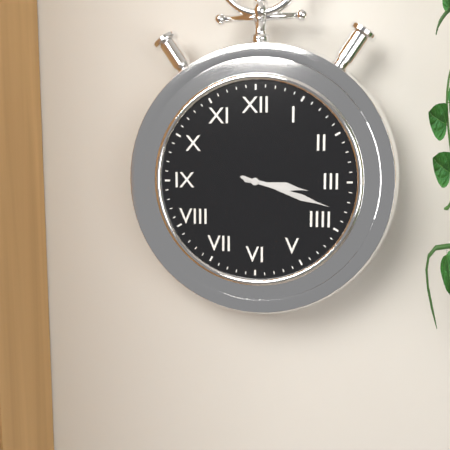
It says 3:18
